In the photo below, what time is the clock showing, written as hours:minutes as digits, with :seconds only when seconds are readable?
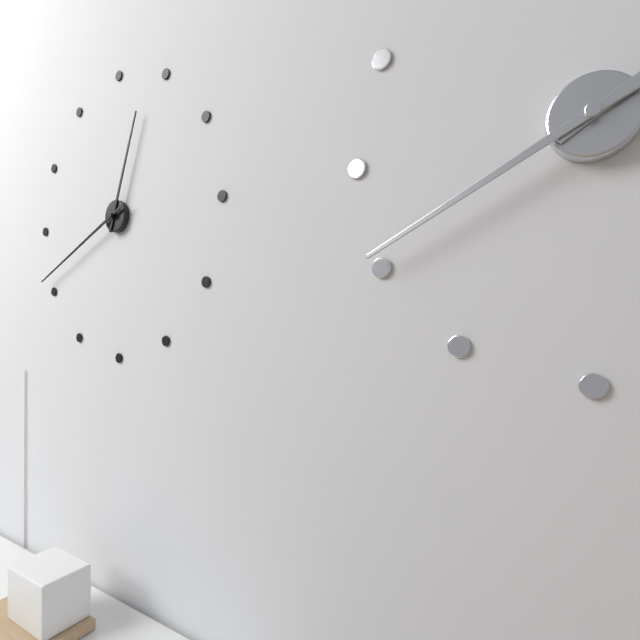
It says 12:41
